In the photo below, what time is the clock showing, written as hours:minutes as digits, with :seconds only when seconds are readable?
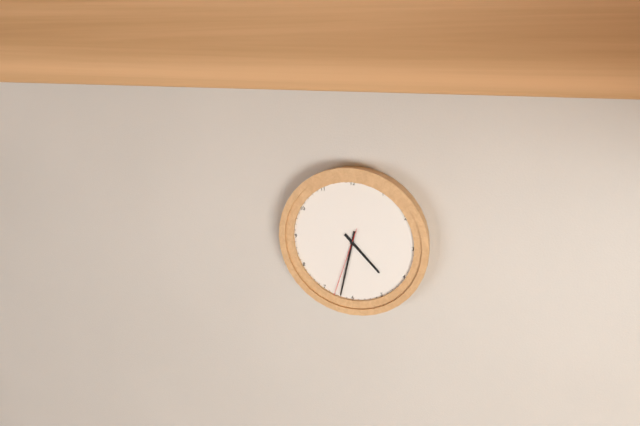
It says 4:32:33
